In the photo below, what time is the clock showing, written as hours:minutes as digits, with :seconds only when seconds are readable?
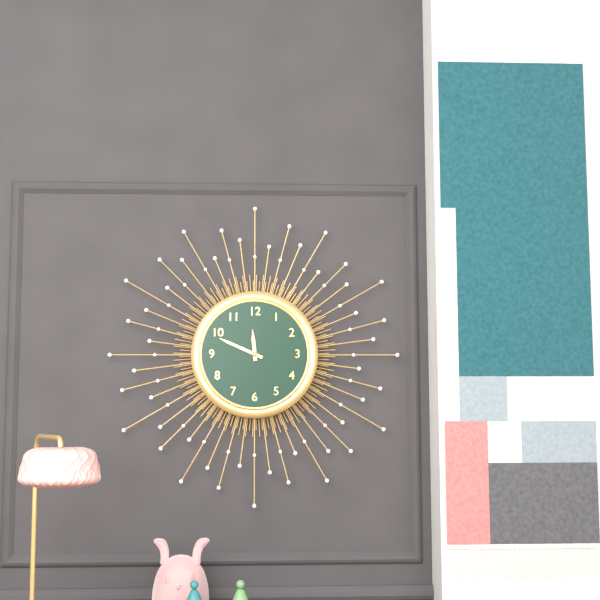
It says 11:49
